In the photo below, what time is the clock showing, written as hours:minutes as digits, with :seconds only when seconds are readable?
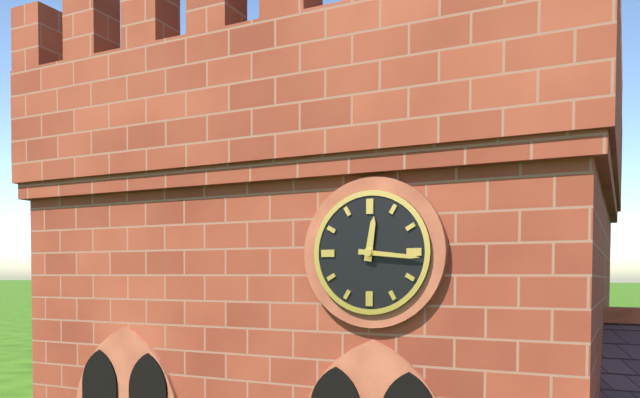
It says 12:16
